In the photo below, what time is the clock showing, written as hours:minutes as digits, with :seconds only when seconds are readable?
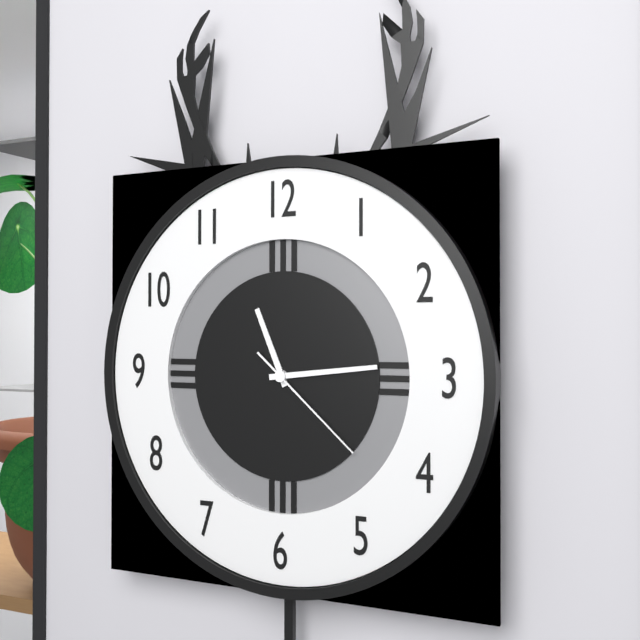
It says 11:14:22
